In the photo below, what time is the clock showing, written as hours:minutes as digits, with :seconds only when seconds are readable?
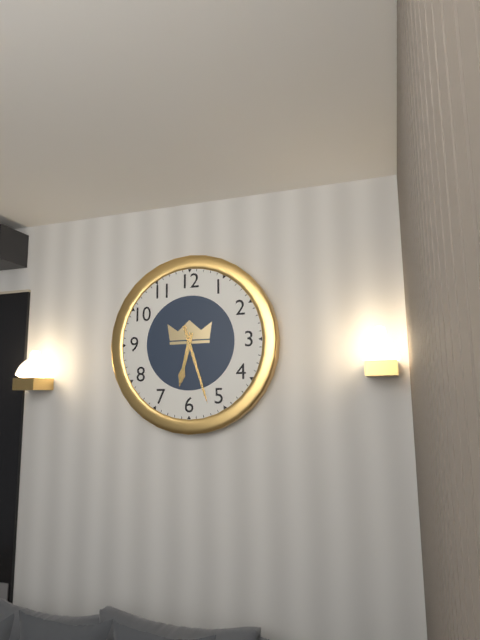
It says 6:27
